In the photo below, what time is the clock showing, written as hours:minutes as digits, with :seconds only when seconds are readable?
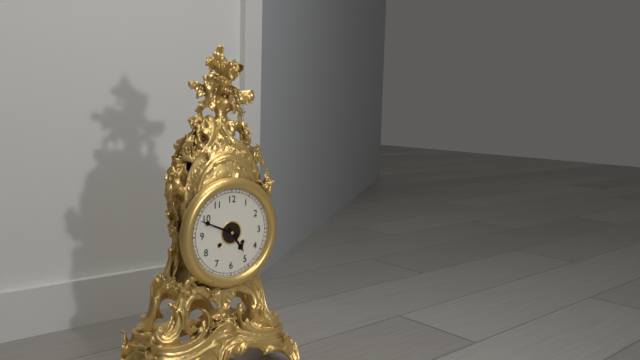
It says 4:49
